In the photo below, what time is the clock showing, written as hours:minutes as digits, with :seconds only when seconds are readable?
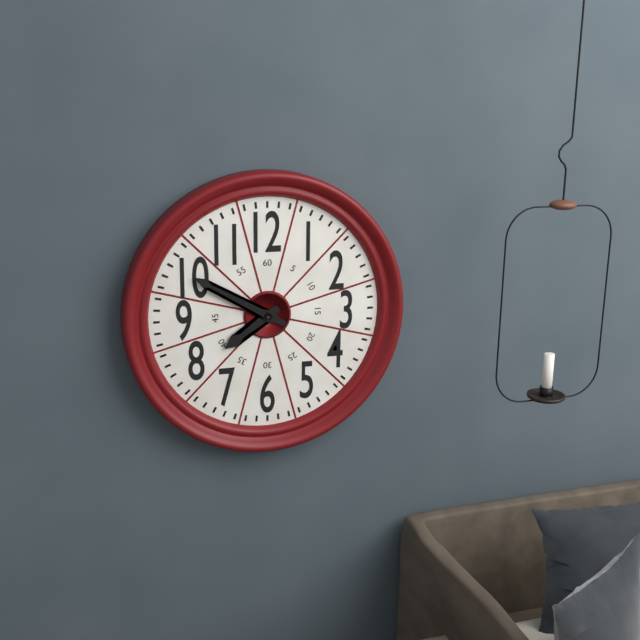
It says 7:50
